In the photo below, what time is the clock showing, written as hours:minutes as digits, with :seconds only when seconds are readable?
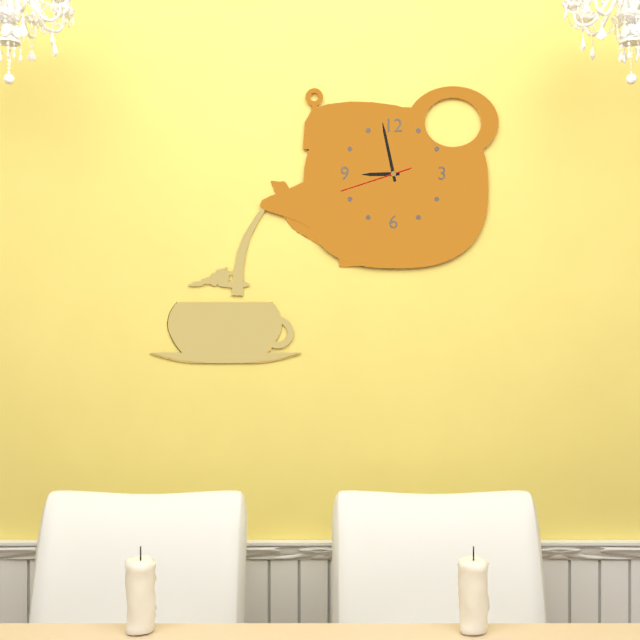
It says 8:58:42
